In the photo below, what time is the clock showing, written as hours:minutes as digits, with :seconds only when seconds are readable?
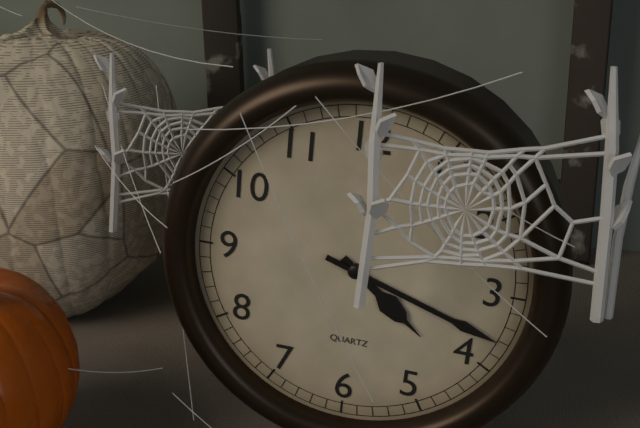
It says 4:18
